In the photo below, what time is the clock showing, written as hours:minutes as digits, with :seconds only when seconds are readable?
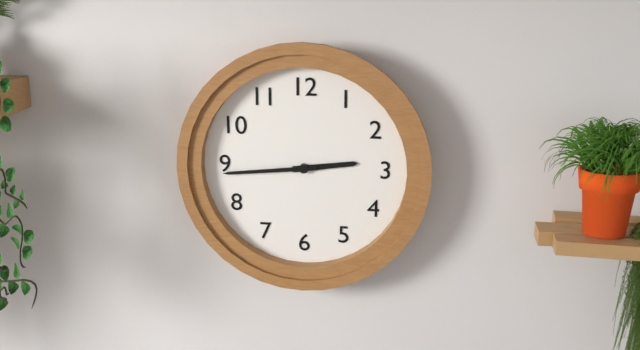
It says 2:44
